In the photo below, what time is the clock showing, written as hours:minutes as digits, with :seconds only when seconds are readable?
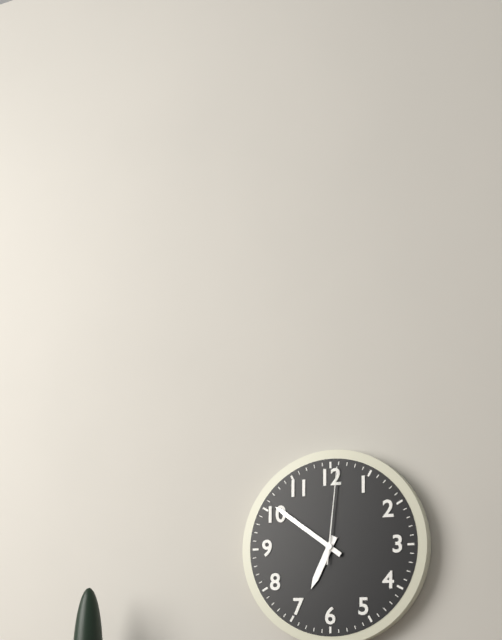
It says 6:51:01
